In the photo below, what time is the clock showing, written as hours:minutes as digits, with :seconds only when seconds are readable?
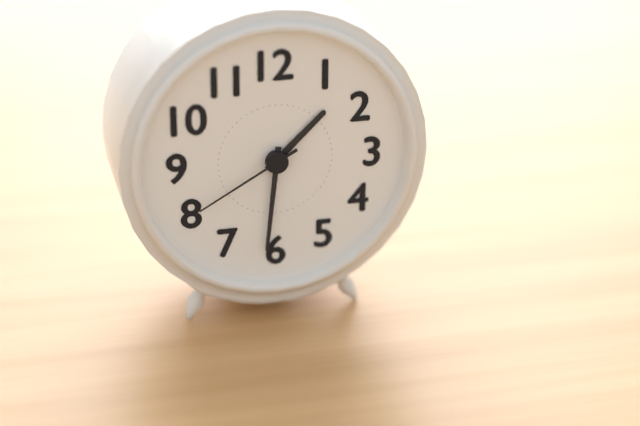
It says 1:31:40
